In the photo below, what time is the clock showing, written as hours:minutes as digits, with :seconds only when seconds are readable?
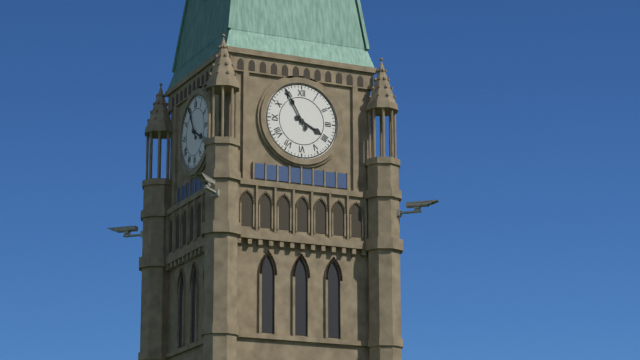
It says 3:55
